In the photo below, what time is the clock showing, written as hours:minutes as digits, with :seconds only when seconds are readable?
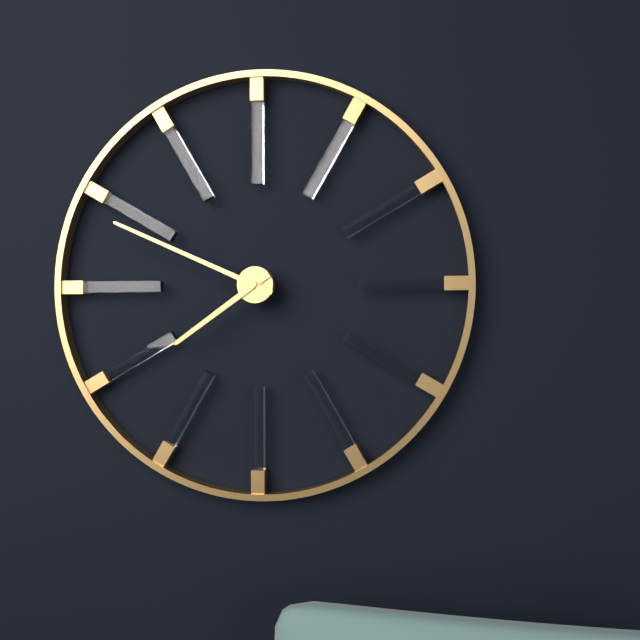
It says 7:49
